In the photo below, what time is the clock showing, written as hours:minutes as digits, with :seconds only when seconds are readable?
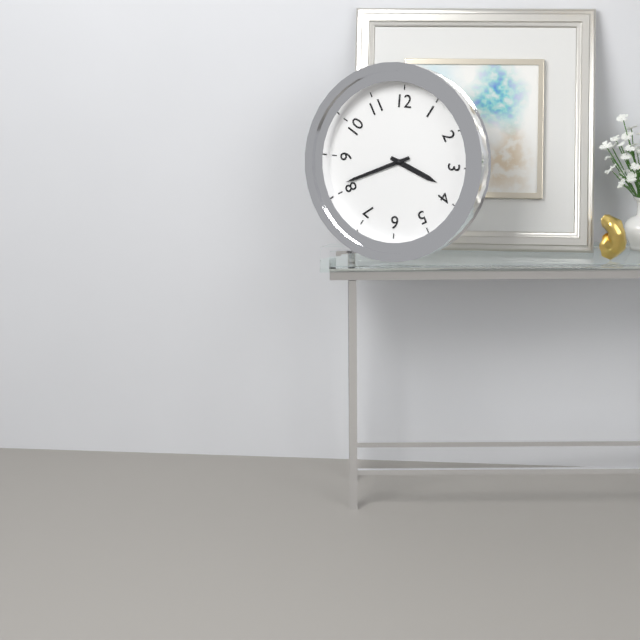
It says 3:41
